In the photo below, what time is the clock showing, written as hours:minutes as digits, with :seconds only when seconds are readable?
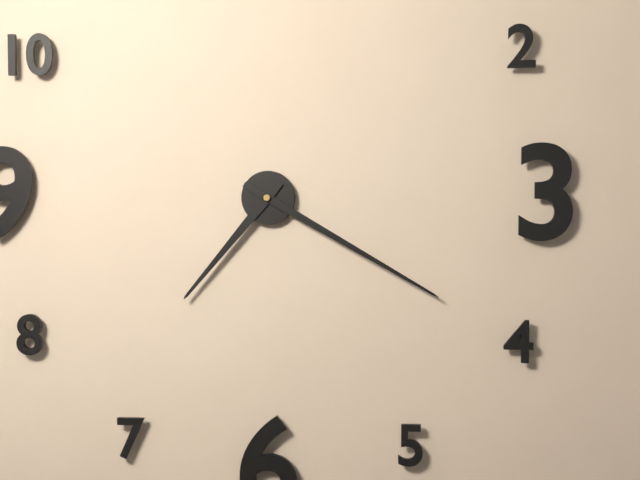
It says 7:20
